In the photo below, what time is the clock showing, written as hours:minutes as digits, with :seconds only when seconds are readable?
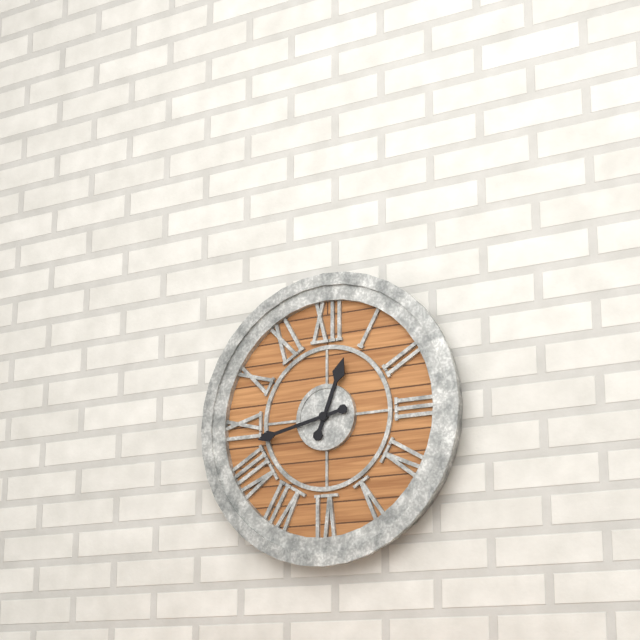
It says 12:43
